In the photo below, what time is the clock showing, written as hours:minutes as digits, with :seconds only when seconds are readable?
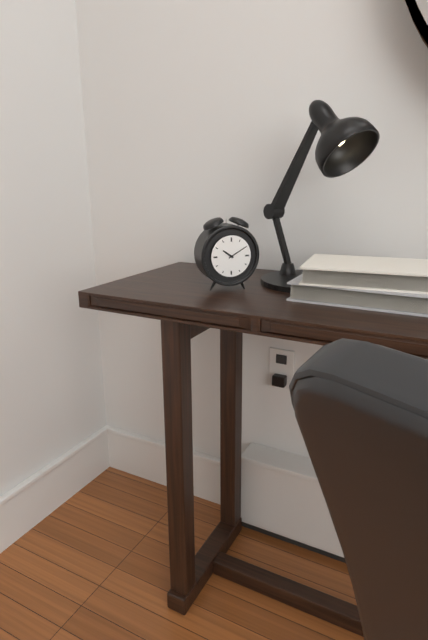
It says 10:10
